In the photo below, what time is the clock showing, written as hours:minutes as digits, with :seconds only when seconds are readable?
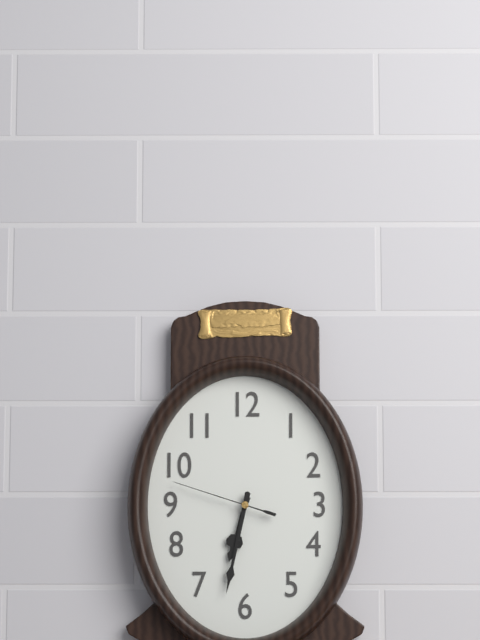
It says 6:32:48
